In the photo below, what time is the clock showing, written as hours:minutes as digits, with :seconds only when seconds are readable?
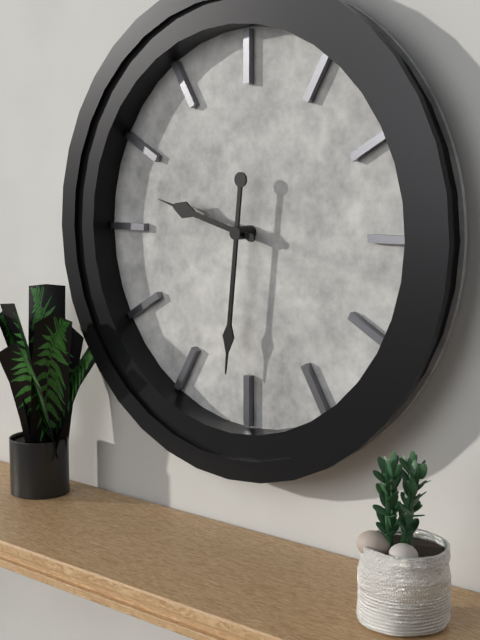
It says 9:31
